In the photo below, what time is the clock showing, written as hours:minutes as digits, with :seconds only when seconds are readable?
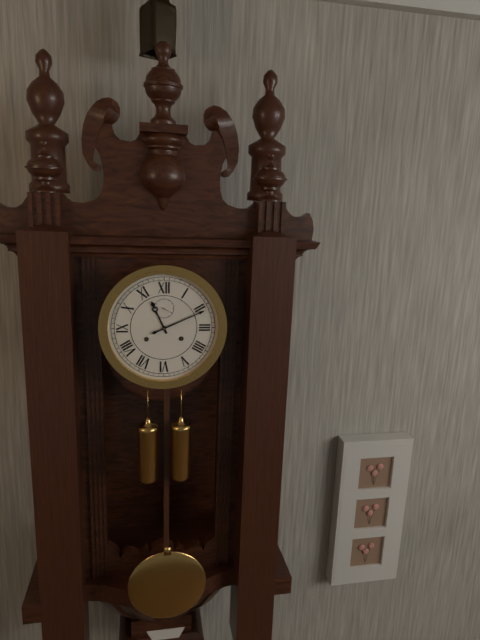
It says 11:11
